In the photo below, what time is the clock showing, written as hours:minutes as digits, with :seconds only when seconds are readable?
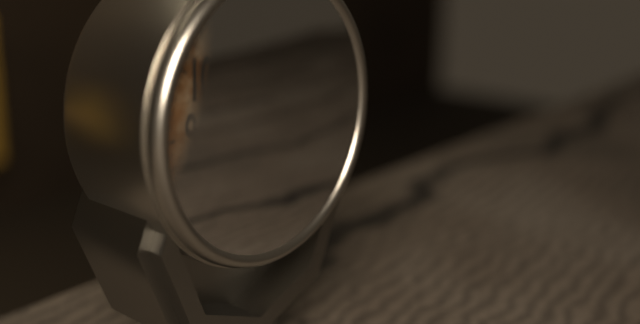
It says 6:03
